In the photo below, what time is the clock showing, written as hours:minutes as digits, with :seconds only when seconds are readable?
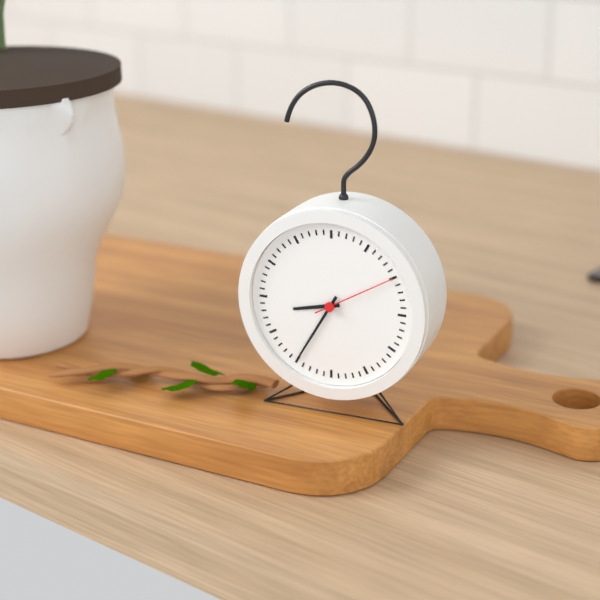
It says 8:35:10
